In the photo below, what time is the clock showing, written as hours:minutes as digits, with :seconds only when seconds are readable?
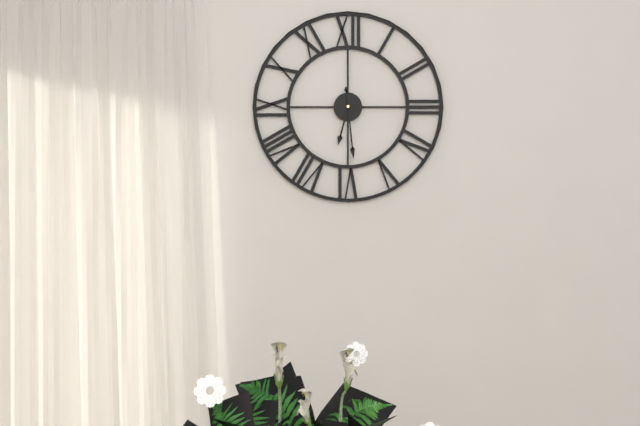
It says 6:29
